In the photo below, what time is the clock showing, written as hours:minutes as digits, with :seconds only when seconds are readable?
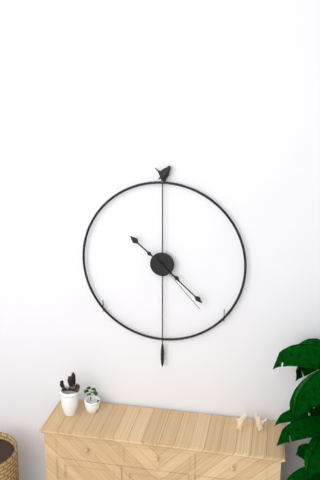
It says 10:22:23
